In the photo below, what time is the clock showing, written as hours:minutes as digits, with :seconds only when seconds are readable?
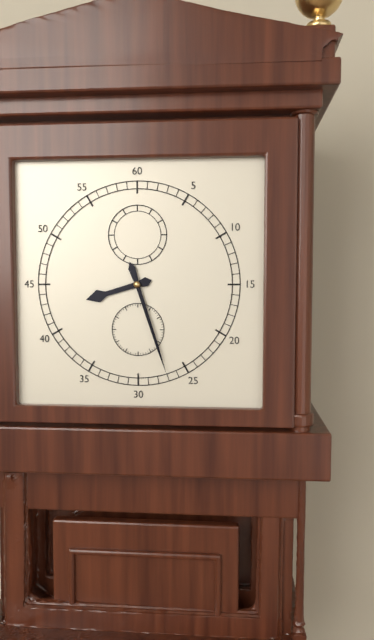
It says 8:27
